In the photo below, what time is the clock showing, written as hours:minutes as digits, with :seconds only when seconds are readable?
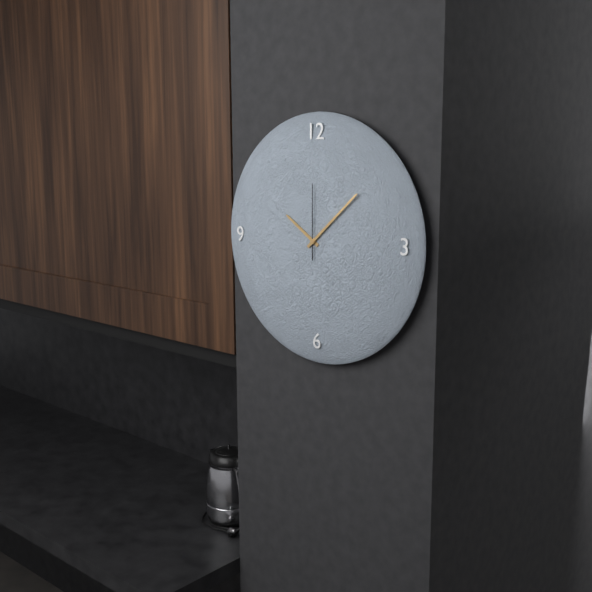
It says 10:08:00
